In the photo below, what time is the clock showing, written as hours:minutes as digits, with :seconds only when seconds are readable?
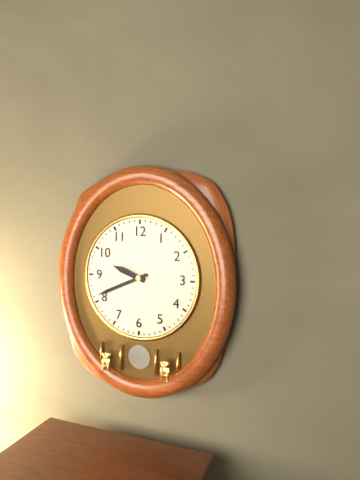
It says 9:41
